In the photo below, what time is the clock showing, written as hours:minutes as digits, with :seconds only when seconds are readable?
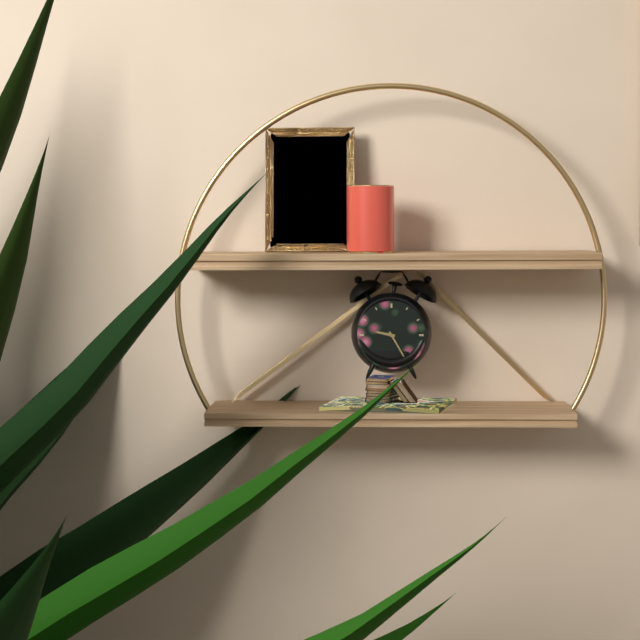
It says 9:25
